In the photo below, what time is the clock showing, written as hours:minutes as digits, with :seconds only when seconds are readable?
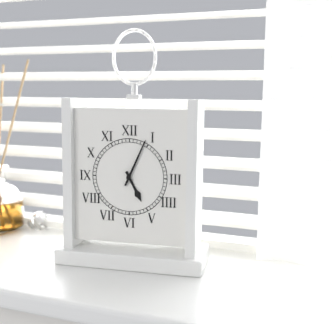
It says 5:04
